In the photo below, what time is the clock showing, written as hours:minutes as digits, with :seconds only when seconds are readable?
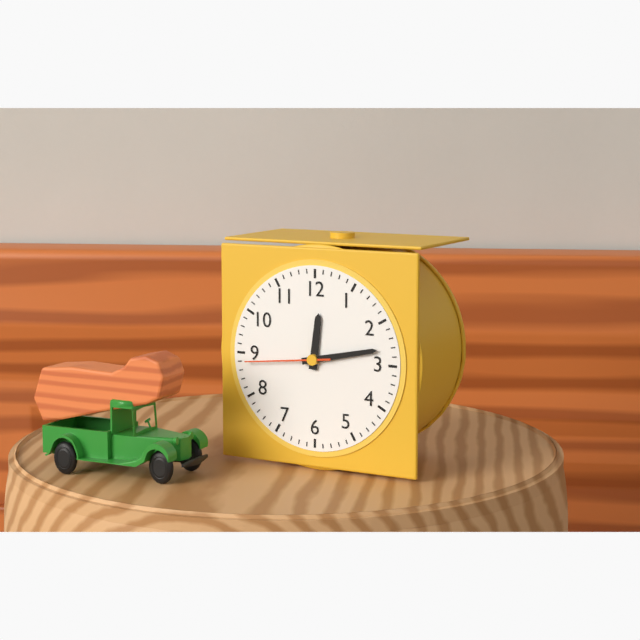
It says 12:13:44
